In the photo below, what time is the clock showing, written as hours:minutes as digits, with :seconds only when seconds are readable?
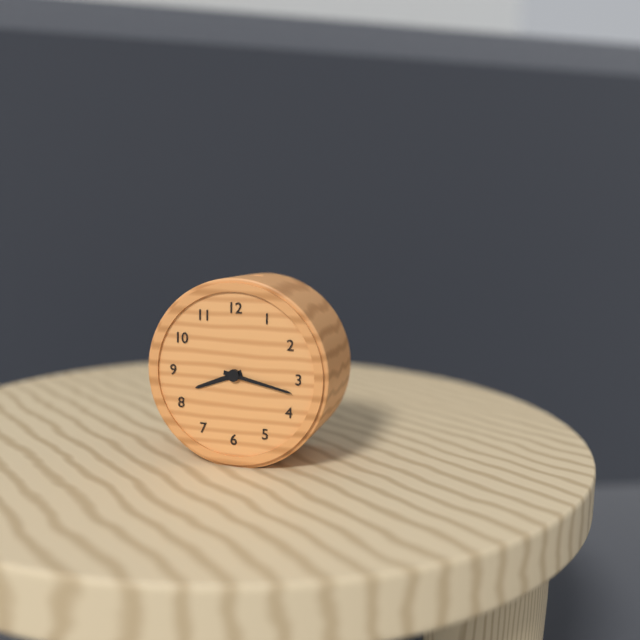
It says 8:17
